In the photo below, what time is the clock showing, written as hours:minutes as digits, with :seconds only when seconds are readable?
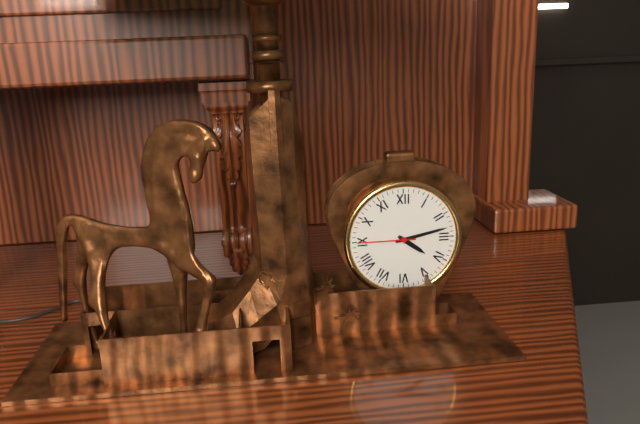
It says 4:13:45
